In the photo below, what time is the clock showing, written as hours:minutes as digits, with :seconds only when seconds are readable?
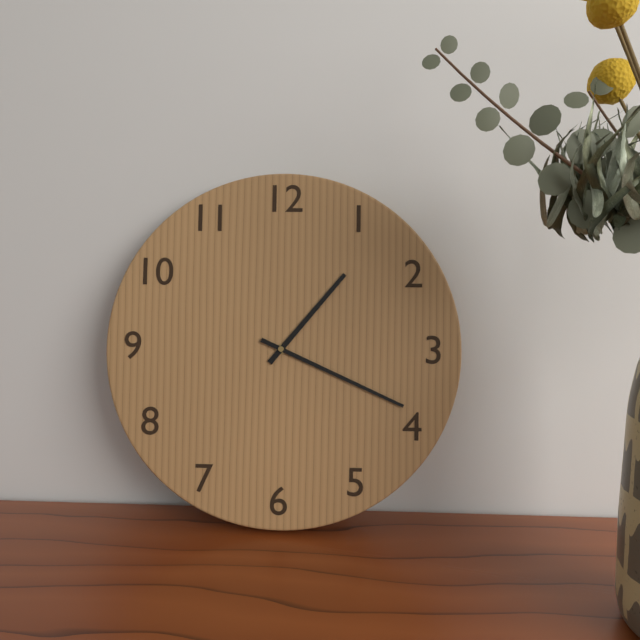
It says 1:19
